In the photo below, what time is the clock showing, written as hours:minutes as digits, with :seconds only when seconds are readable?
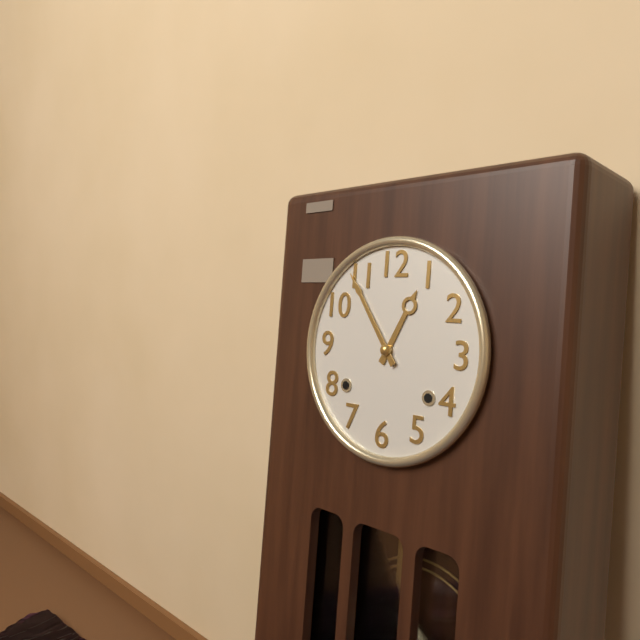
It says 12:54
